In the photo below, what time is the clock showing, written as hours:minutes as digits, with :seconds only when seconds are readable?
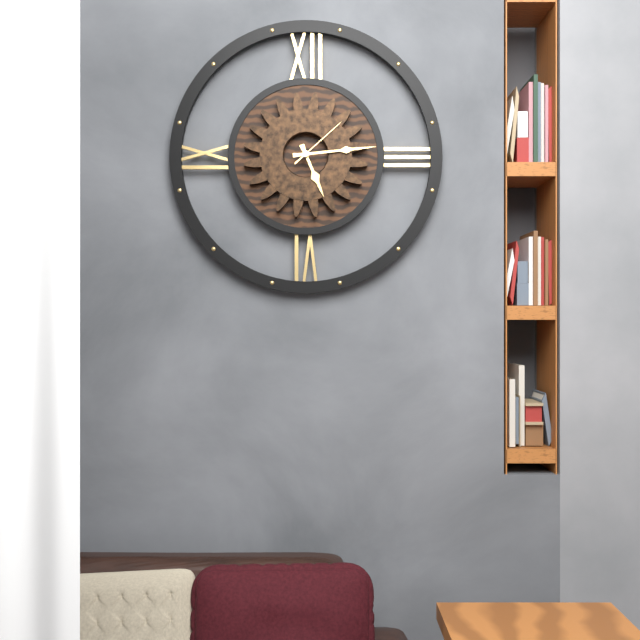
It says 5:14:08
